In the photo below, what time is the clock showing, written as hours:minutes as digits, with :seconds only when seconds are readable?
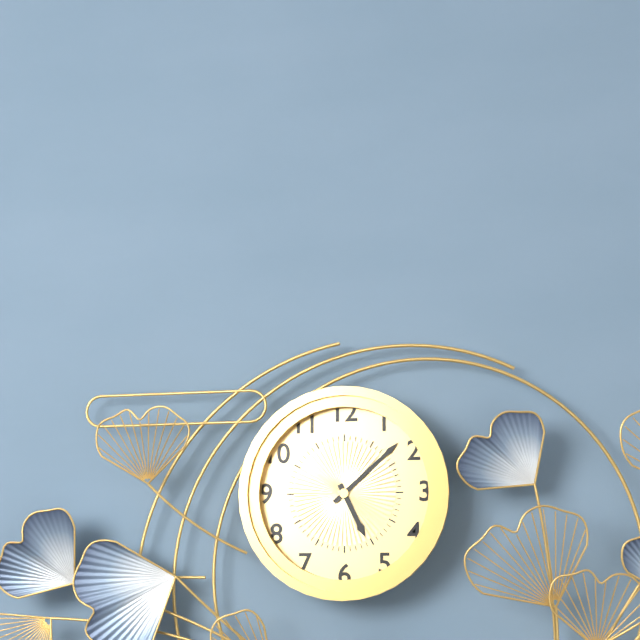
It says 5:08
